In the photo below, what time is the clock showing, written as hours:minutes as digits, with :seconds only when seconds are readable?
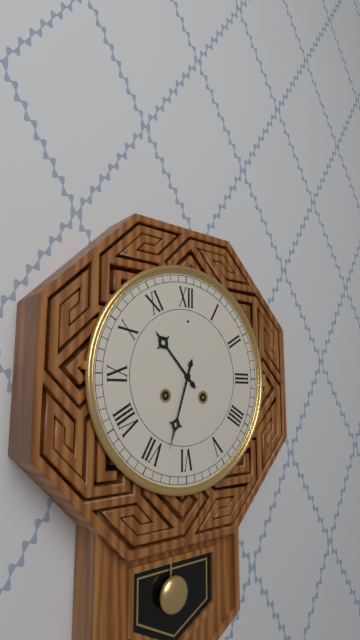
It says 10:33
